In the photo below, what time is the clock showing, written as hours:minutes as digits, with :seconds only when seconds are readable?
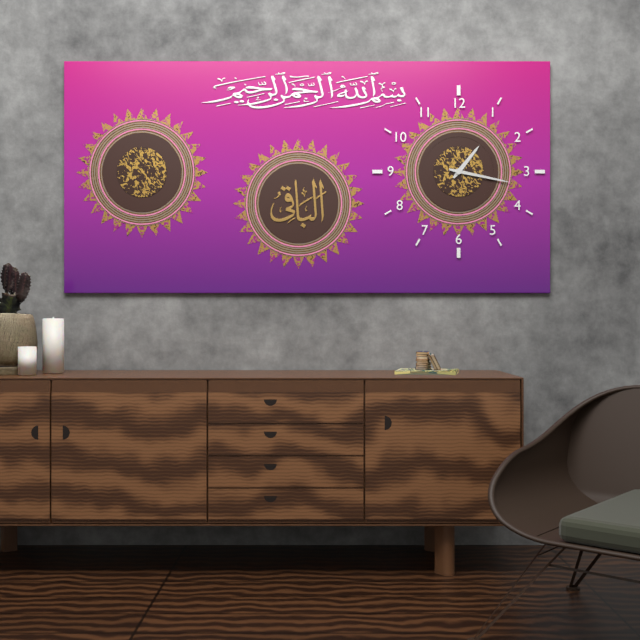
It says 1:17
